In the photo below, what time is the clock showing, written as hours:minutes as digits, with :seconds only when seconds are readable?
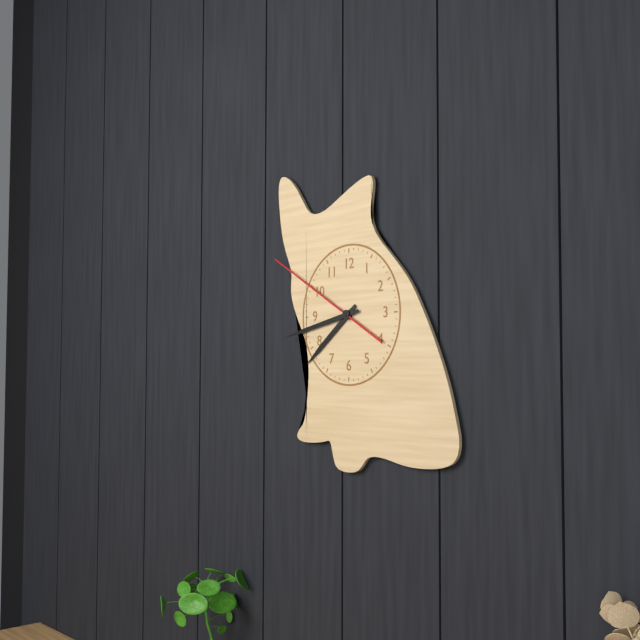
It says 7:43:50
